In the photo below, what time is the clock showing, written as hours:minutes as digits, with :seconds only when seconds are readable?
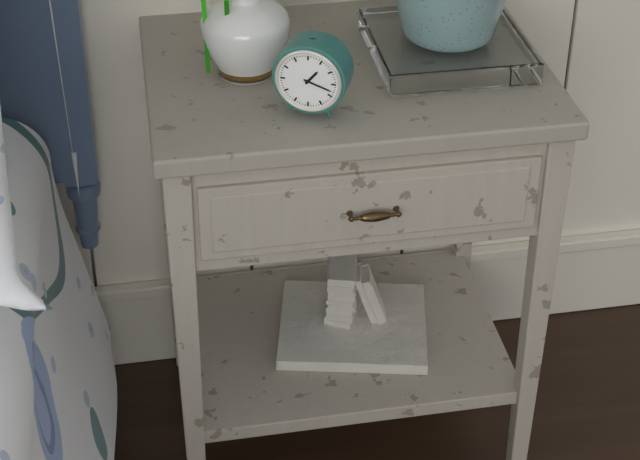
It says 1:18
